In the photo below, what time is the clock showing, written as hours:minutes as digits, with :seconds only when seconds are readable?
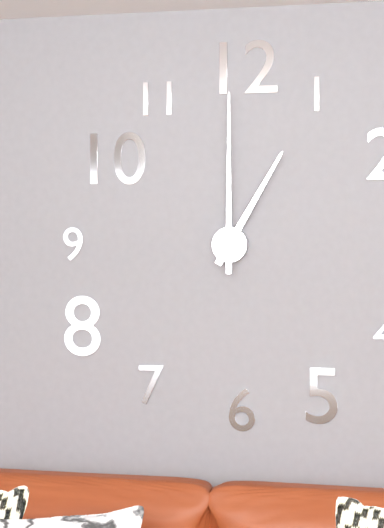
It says 1:00
